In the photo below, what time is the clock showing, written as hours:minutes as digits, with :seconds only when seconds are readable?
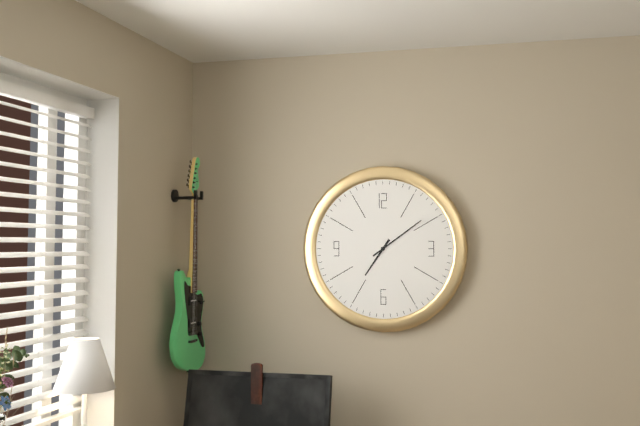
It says 7:09
